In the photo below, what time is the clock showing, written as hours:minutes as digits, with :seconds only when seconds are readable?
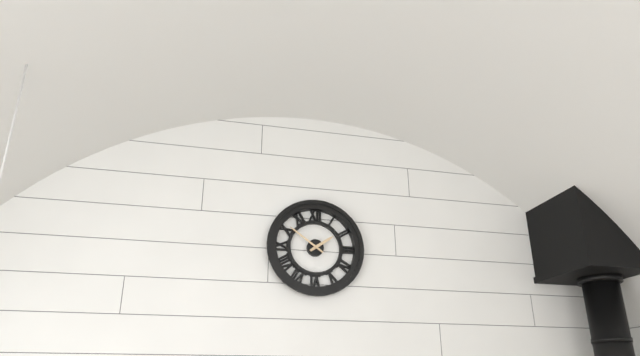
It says 1:51
